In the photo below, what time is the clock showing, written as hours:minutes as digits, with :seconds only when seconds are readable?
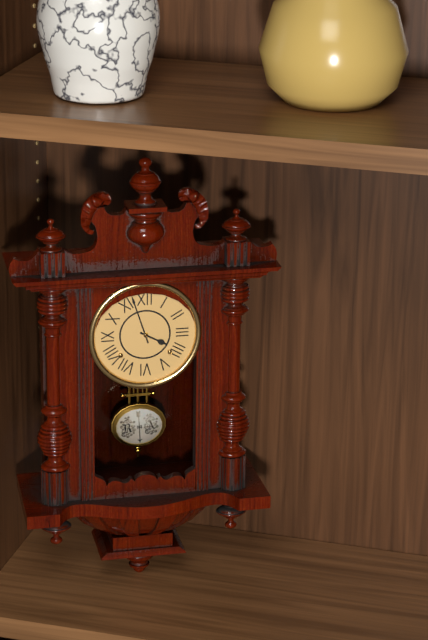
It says 3:57
